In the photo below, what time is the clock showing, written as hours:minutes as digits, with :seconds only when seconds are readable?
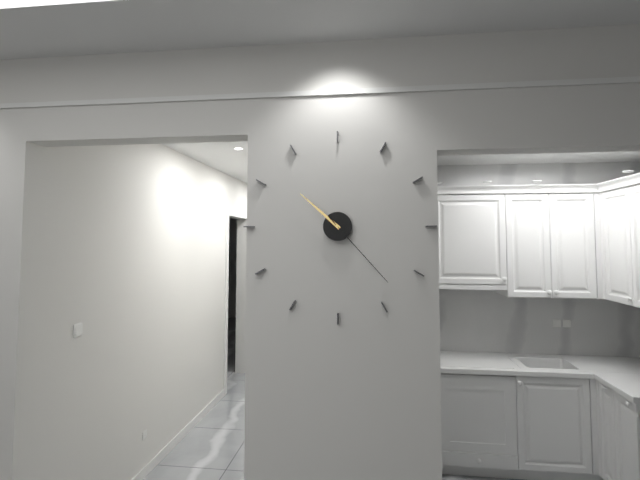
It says 10:23
